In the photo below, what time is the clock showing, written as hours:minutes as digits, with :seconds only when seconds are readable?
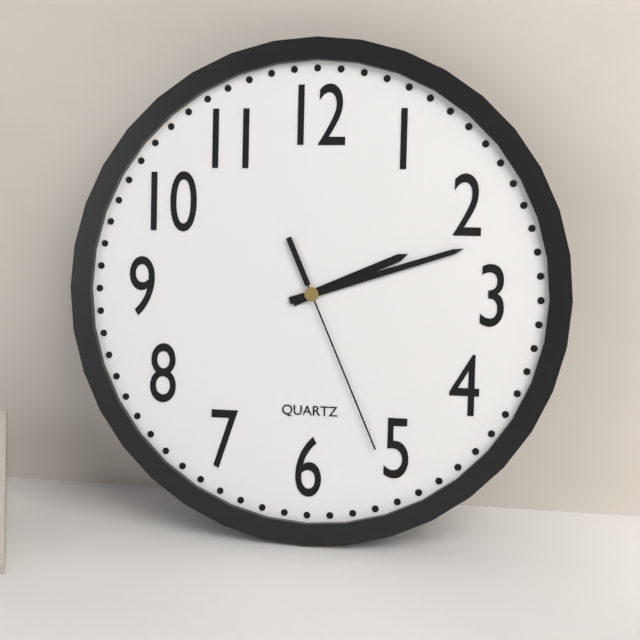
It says 2:12:26
